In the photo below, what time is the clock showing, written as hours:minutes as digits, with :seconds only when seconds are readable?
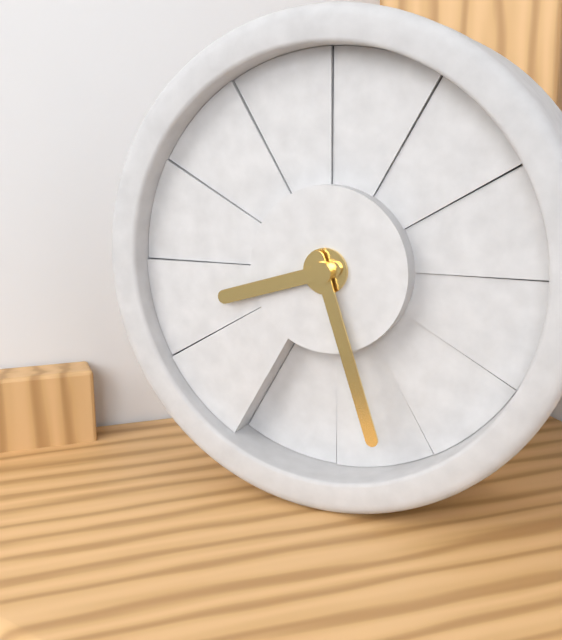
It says 8:27
